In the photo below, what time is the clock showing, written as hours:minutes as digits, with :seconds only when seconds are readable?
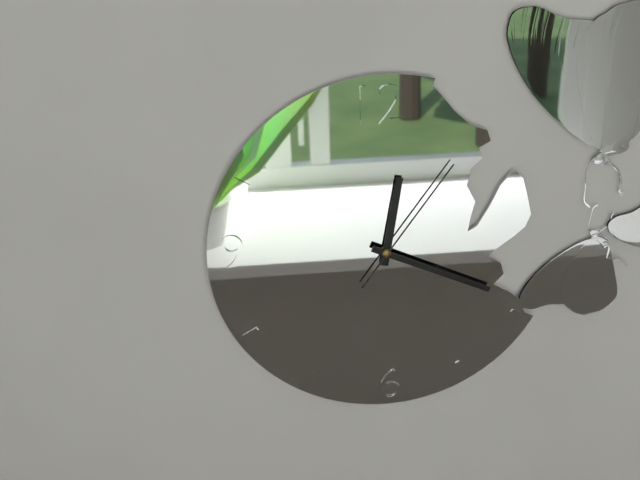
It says 12:19:06
